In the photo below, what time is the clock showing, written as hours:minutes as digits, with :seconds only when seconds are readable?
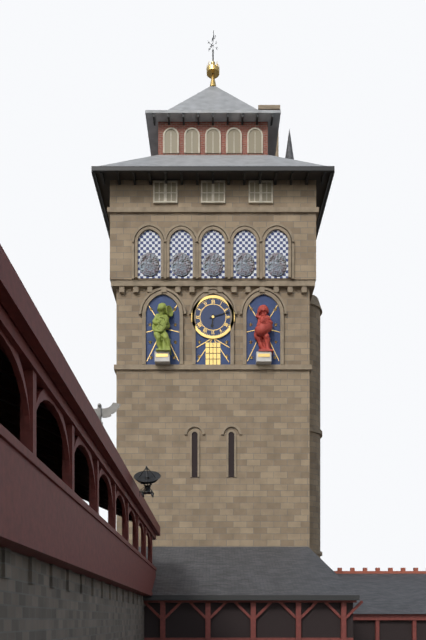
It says 6:12
